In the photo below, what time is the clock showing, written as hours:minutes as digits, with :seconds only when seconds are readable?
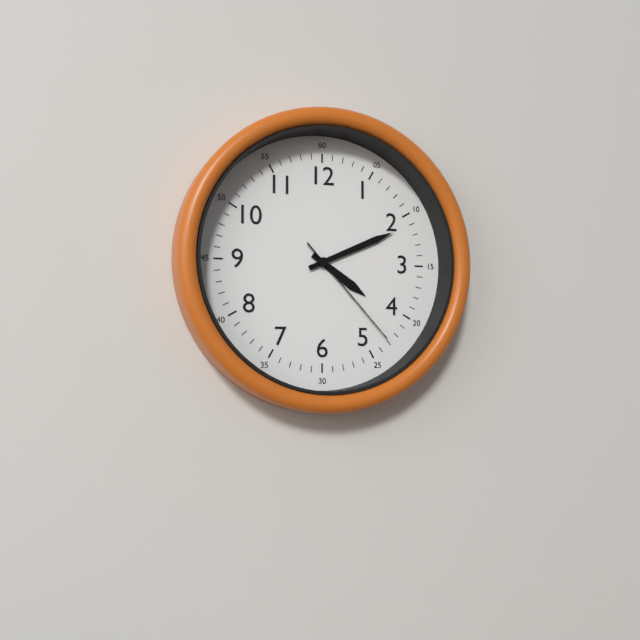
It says 4:11:23
